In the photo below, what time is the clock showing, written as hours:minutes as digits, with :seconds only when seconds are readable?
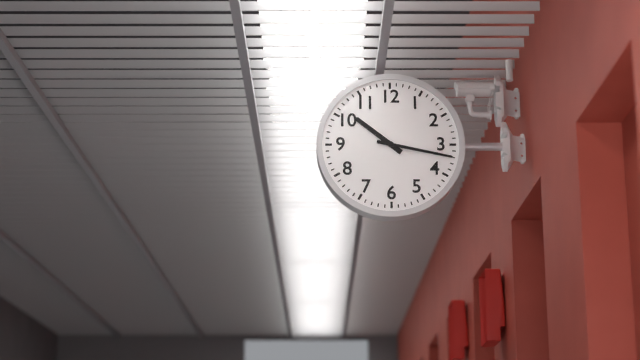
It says 10:17
